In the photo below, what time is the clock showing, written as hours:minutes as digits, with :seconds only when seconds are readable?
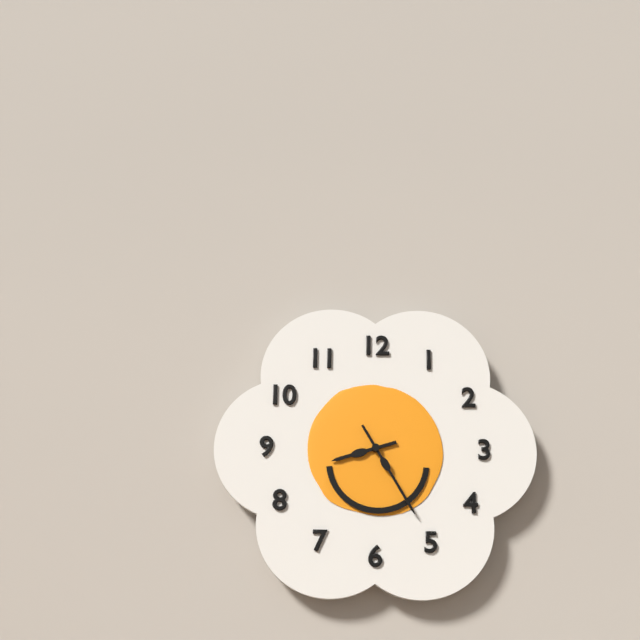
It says 8:25
